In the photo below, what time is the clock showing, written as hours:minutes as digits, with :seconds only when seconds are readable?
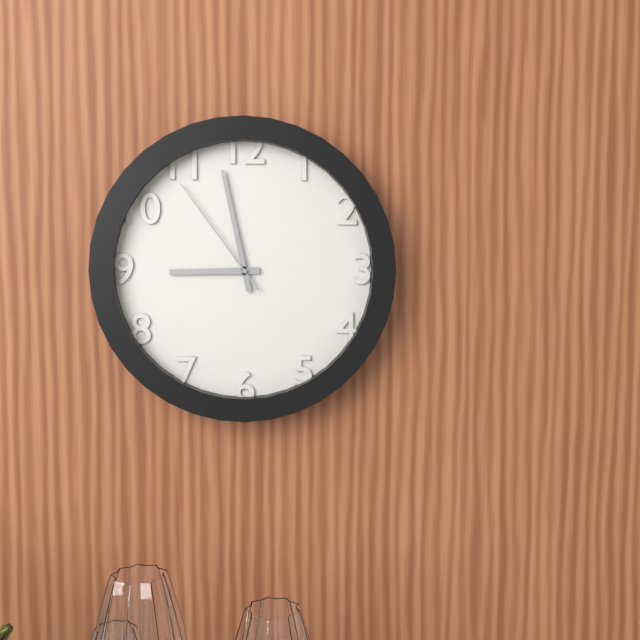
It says 8:58:54
